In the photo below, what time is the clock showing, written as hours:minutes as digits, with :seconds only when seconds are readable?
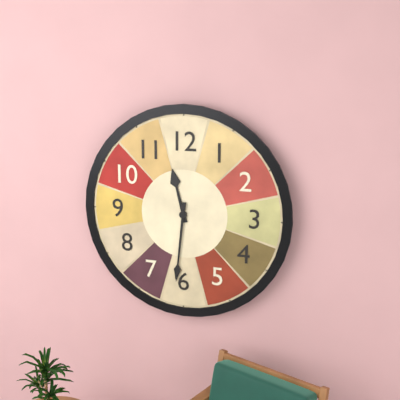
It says 11:31
